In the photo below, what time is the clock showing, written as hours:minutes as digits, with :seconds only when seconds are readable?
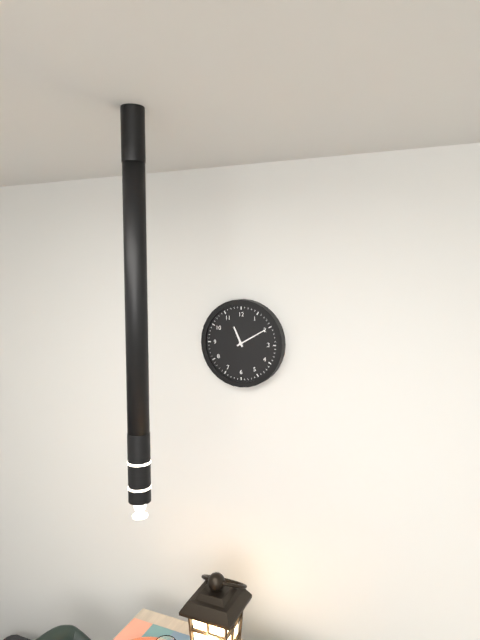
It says 11:10
